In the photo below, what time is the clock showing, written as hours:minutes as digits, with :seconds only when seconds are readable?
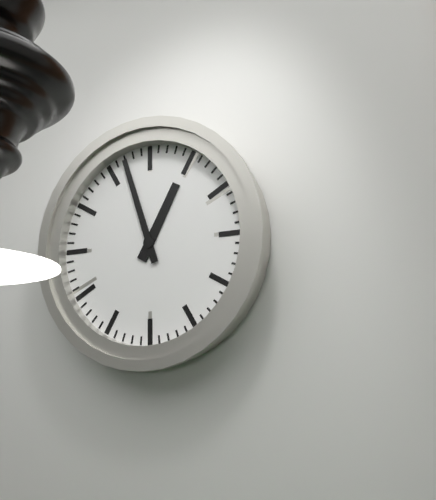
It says 12:57
